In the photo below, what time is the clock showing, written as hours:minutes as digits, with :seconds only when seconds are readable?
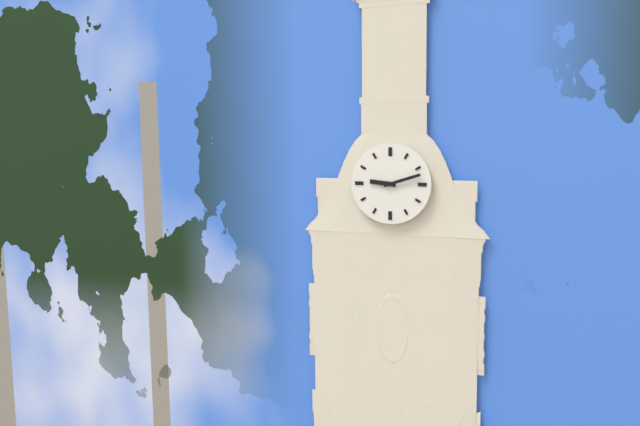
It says 9:12
